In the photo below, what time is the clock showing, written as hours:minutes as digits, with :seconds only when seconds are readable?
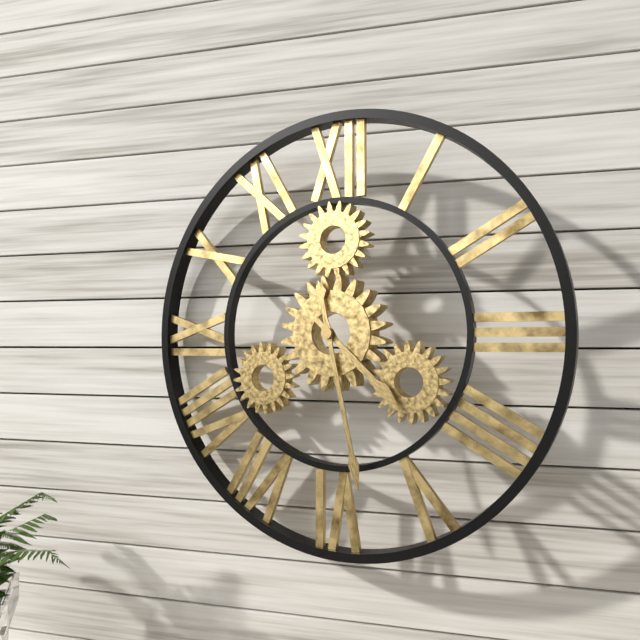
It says 4:28
